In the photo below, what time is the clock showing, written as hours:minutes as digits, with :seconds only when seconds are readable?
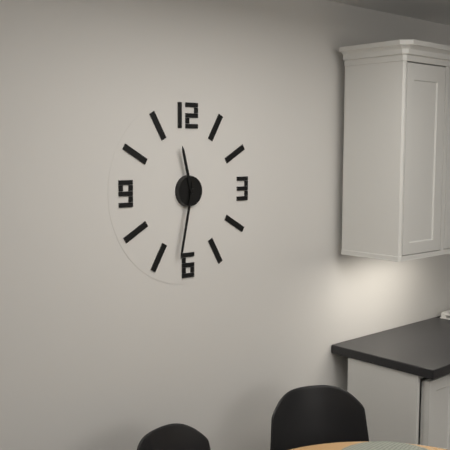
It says 11:32
